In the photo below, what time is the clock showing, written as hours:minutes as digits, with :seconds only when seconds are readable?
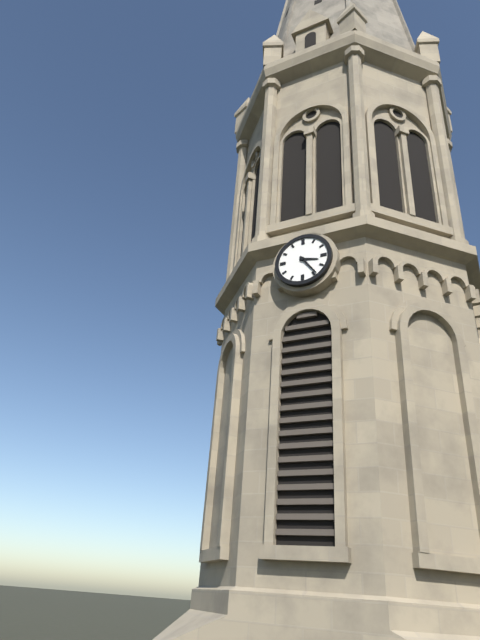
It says 3:24
